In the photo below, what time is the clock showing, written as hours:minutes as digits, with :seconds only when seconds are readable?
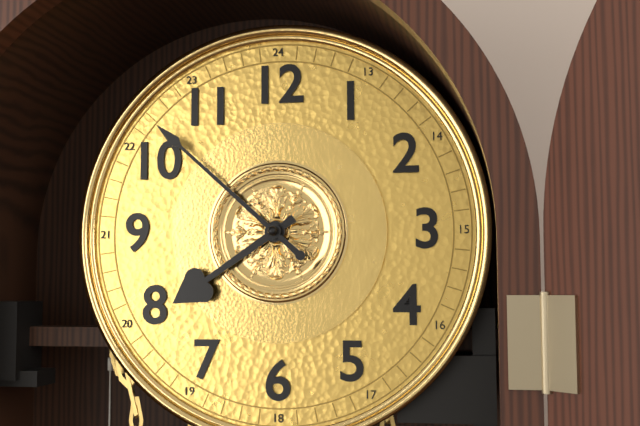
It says 7:52
